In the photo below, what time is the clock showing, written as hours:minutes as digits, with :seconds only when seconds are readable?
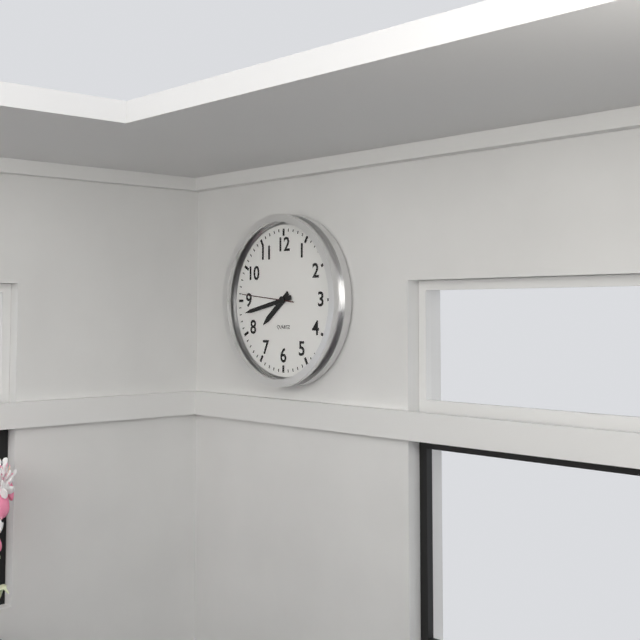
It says 7:43:46
